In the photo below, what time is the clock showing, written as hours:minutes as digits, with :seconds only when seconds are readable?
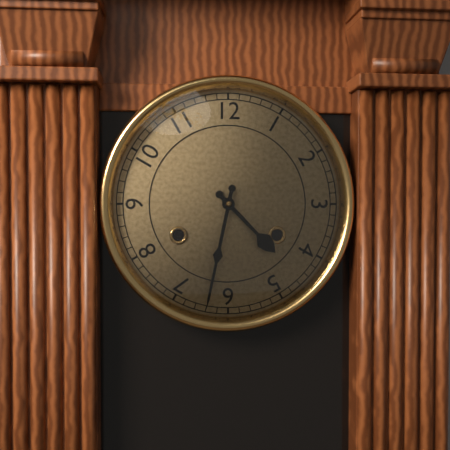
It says 4:32
